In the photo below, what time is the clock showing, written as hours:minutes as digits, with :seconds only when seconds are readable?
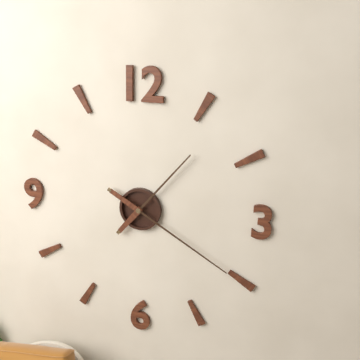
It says 1:20
